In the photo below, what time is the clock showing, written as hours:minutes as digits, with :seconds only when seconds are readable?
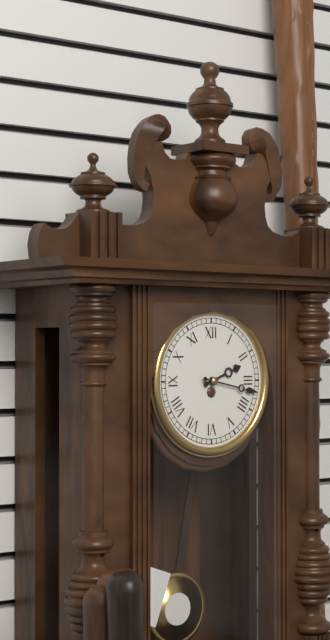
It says 2:17
